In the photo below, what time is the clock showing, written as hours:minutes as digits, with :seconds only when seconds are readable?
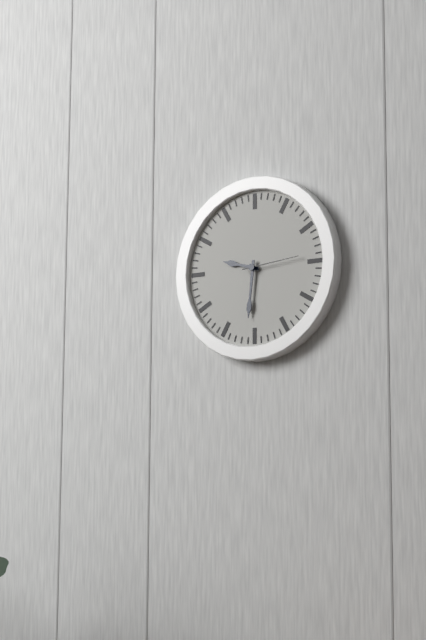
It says 9:31:14
